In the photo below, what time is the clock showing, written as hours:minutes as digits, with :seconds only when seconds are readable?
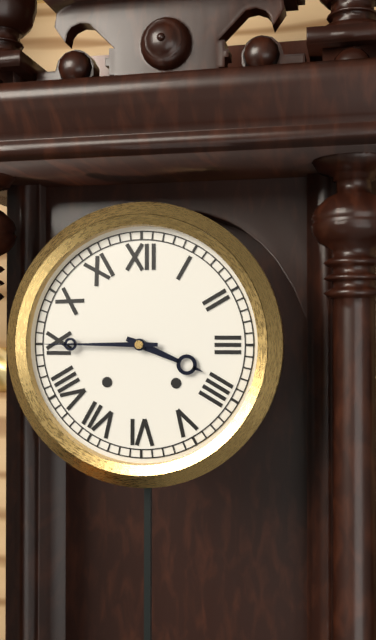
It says 3:45
